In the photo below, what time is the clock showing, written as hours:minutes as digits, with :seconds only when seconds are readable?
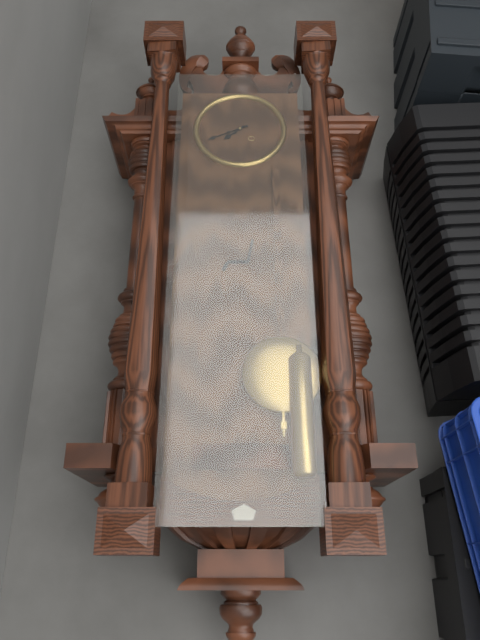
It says 7:41
